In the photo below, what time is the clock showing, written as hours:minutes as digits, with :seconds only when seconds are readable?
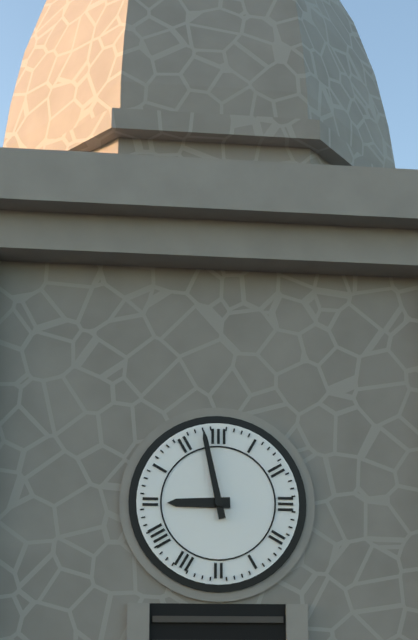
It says 8:58
